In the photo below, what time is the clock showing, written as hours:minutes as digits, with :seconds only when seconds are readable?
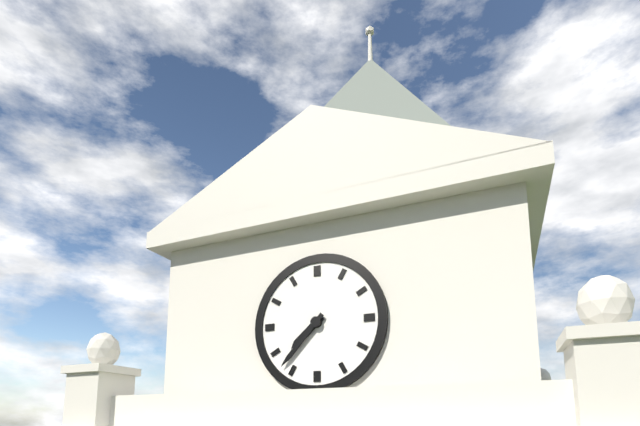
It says 7:37
